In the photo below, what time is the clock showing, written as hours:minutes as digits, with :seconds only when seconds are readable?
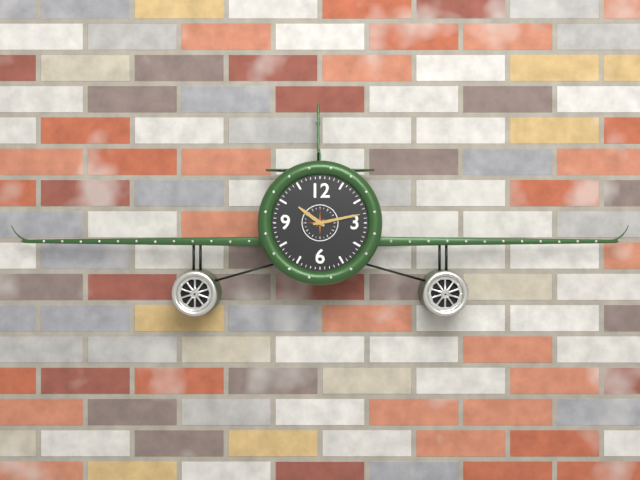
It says 10:13
